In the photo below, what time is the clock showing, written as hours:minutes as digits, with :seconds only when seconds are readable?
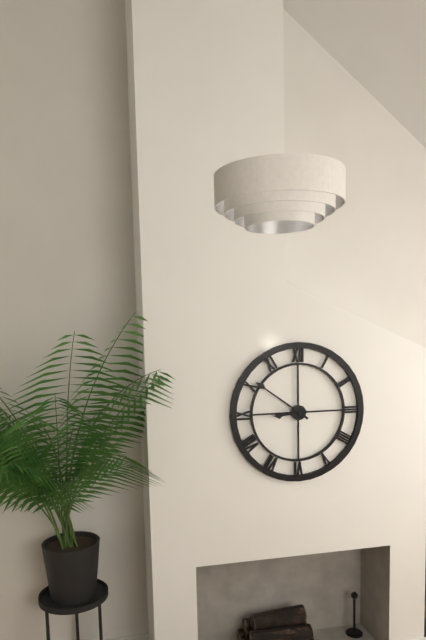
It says 8:51
